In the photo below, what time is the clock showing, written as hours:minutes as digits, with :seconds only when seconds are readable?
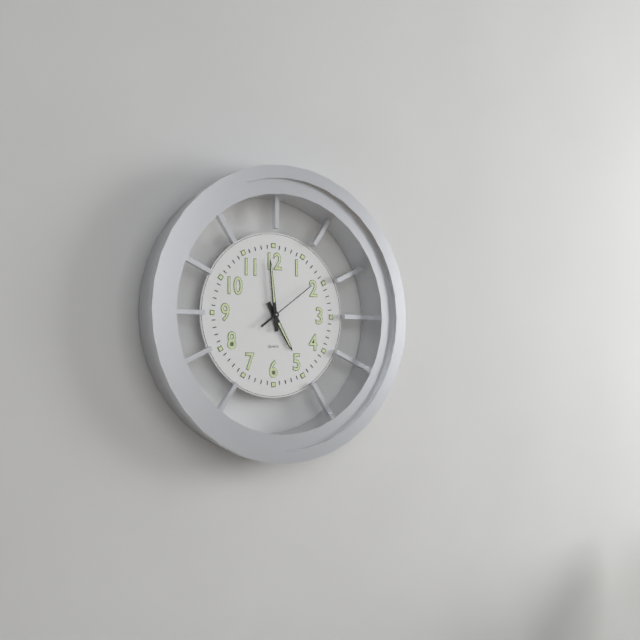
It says 4:59:09
